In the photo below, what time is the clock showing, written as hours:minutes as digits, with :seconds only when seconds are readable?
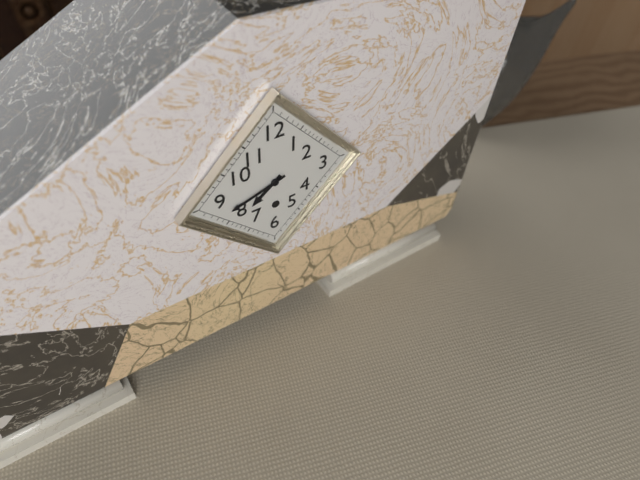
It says 7:42
